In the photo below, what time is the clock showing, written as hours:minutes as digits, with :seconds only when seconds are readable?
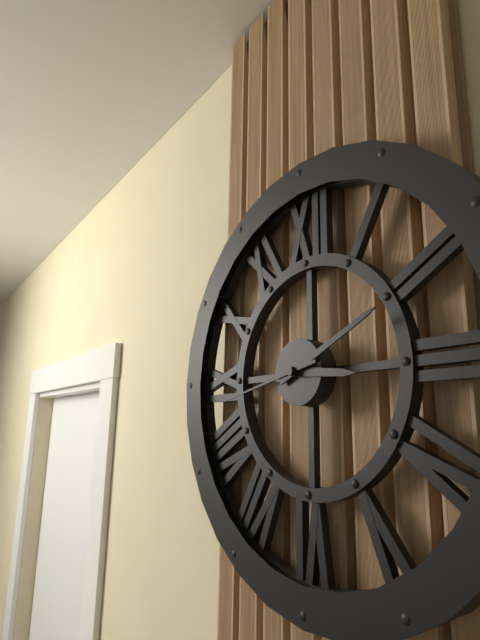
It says 3:11:43
